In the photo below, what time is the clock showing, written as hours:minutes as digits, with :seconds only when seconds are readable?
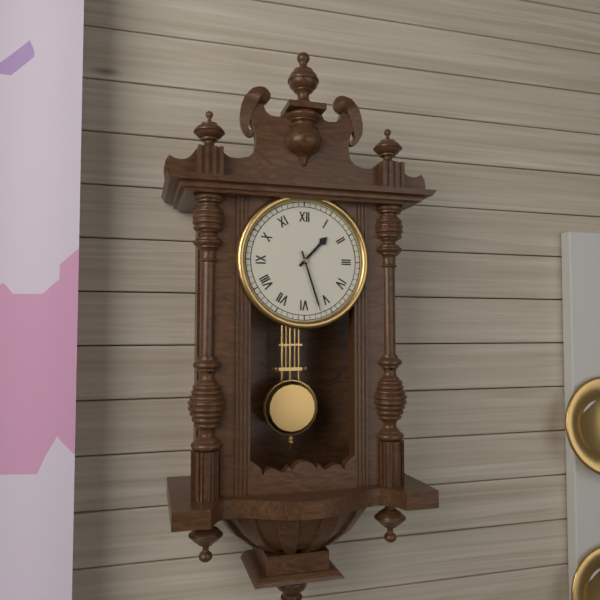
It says 1:27
